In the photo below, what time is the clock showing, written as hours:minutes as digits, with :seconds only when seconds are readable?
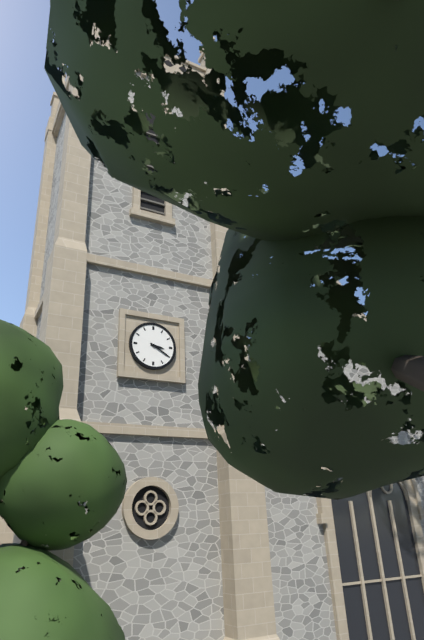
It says 3:20
